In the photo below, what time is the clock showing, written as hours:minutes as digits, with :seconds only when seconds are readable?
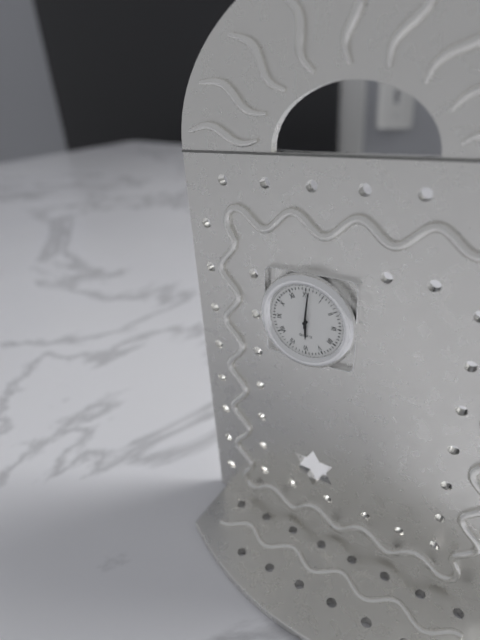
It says 6:01
